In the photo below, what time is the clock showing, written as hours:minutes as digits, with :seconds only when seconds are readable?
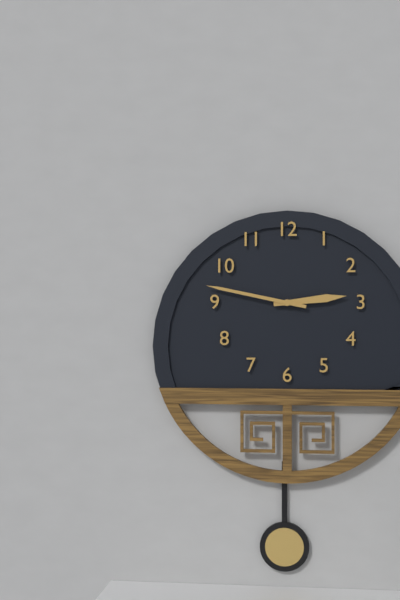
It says 2:47
